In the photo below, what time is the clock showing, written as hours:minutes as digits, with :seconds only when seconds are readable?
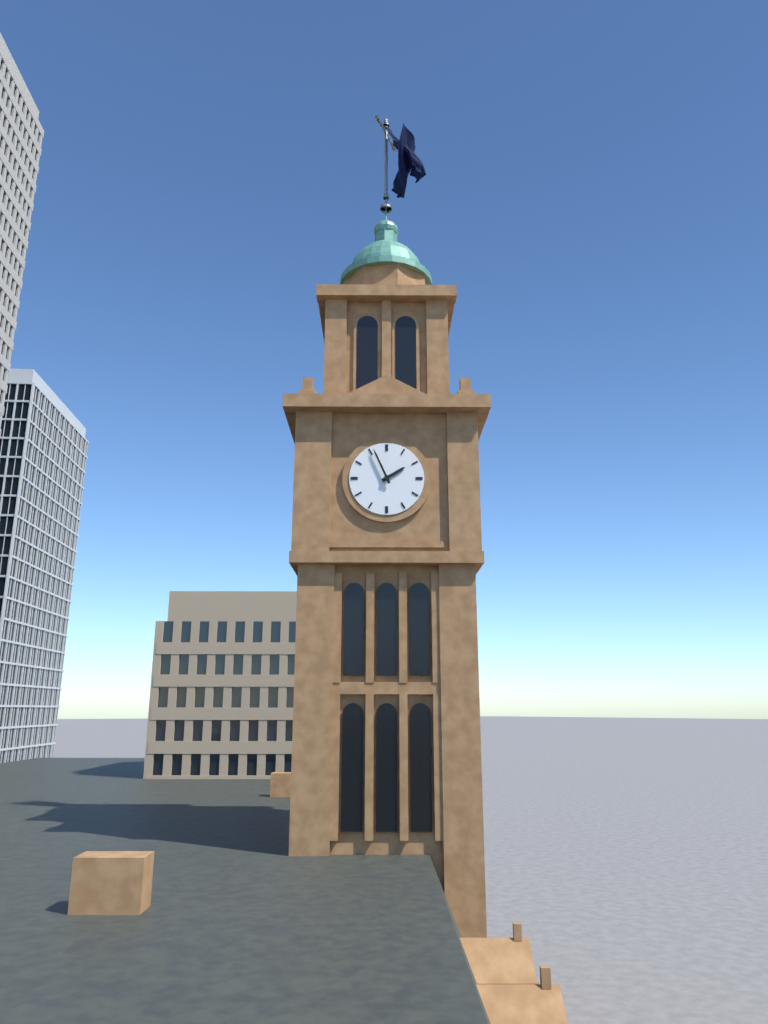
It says 1:56
